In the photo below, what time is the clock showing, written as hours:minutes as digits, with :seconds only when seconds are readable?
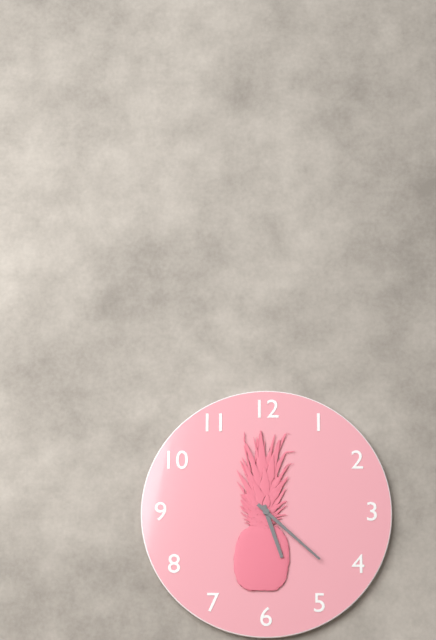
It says 5:22
